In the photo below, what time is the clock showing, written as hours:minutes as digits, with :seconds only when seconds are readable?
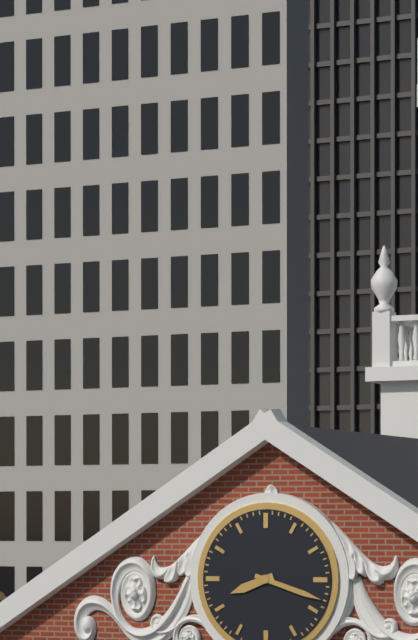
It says 8:18
